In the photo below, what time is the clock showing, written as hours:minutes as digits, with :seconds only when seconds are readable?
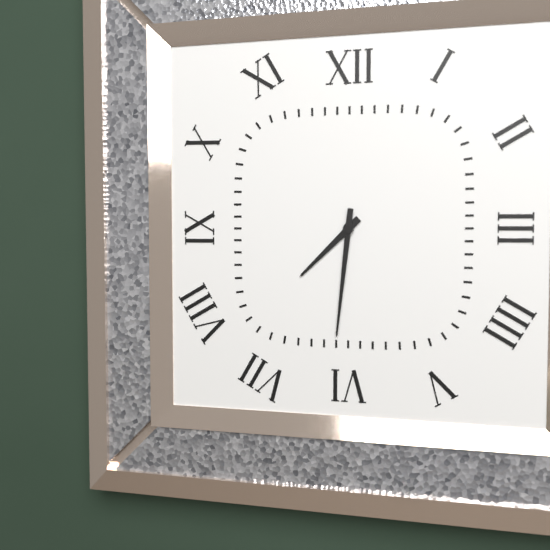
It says 7:31
